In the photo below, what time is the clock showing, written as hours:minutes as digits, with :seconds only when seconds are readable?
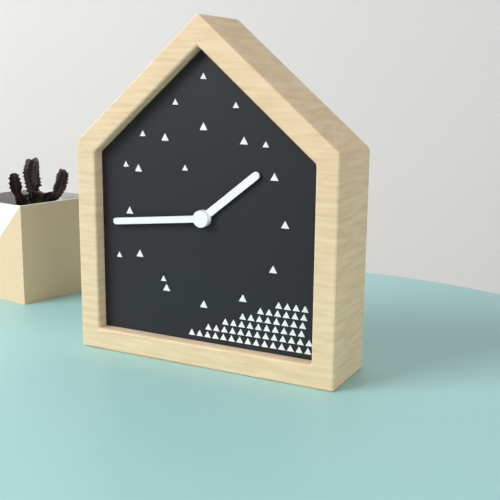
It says 1:44
